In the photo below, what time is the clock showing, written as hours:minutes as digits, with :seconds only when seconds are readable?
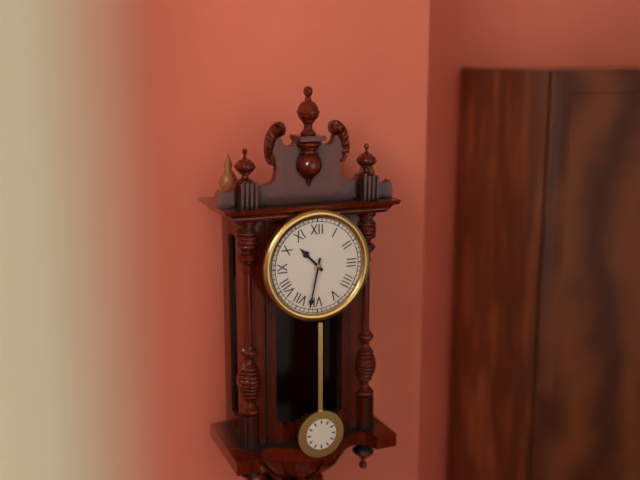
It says 10:32
